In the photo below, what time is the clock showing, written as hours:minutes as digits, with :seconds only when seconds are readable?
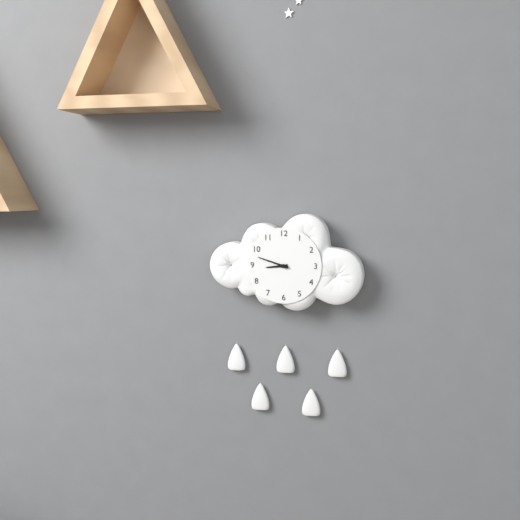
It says 8:48
